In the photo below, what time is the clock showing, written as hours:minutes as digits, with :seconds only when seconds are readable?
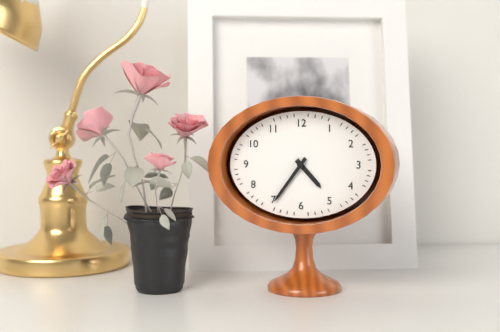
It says 4:36
